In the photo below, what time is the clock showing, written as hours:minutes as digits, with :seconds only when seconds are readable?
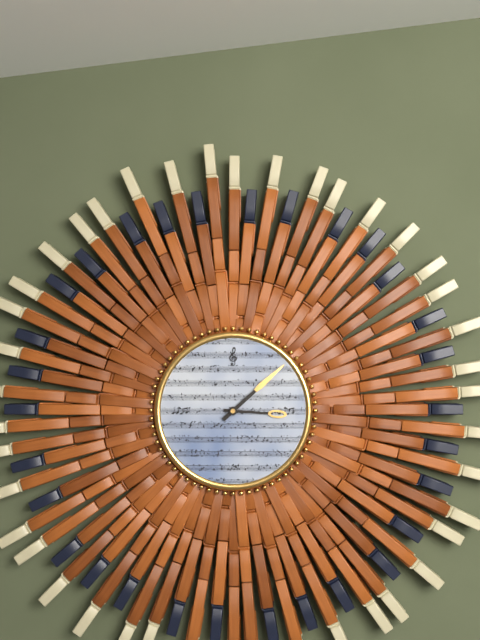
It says 3:08
